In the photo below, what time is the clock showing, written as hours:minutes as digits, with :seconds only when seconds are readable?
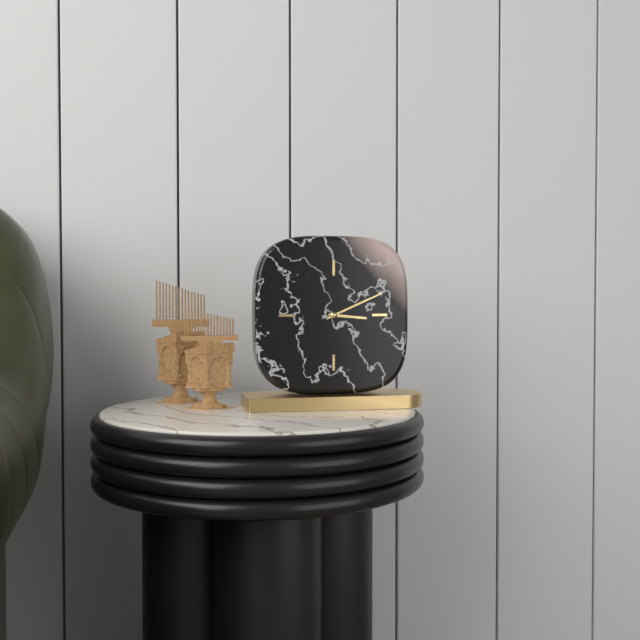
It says 3:11
